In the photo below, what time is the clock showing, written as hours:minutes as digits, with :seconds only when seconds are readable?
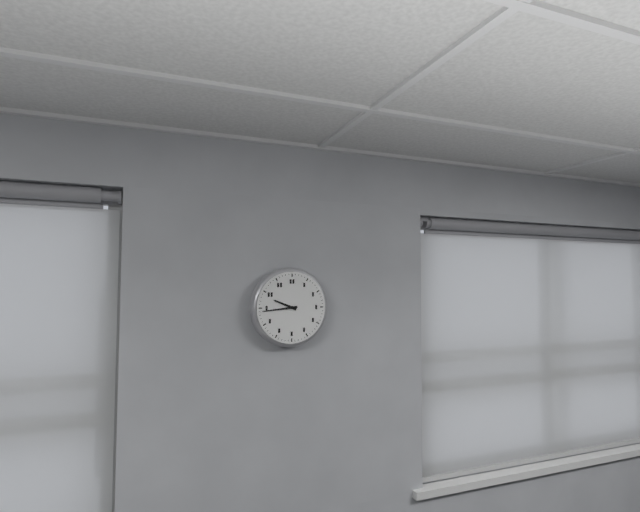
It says 9:44
